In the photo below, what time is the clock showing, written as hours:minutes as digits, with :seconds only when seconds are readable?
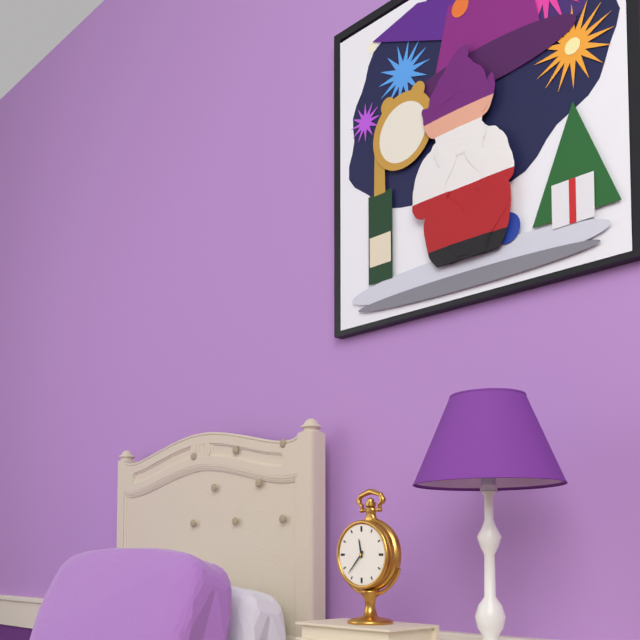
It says 11:37
